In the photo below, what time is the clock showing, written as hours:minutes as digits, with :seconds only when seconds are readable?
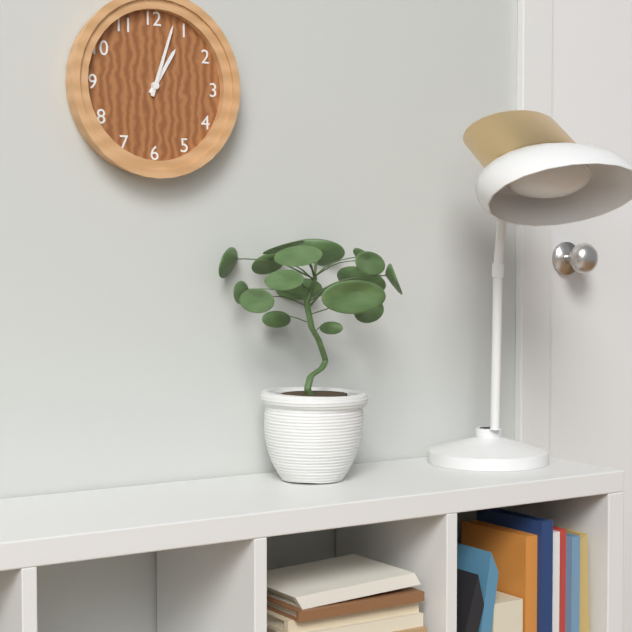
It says 1:03
